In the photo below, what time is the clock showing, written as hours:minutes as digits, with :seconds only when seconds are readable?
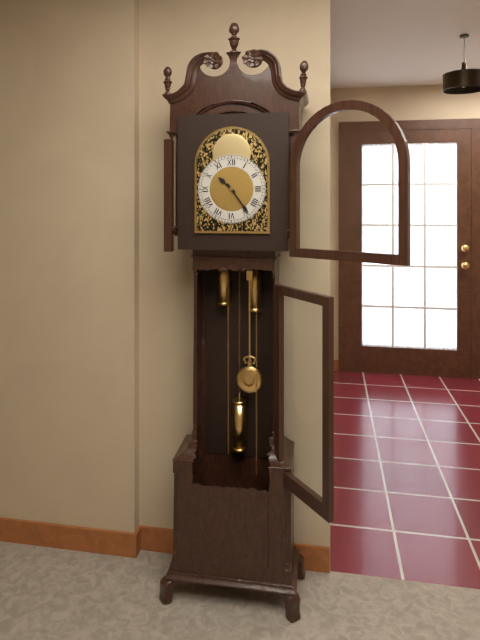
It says 10:24
